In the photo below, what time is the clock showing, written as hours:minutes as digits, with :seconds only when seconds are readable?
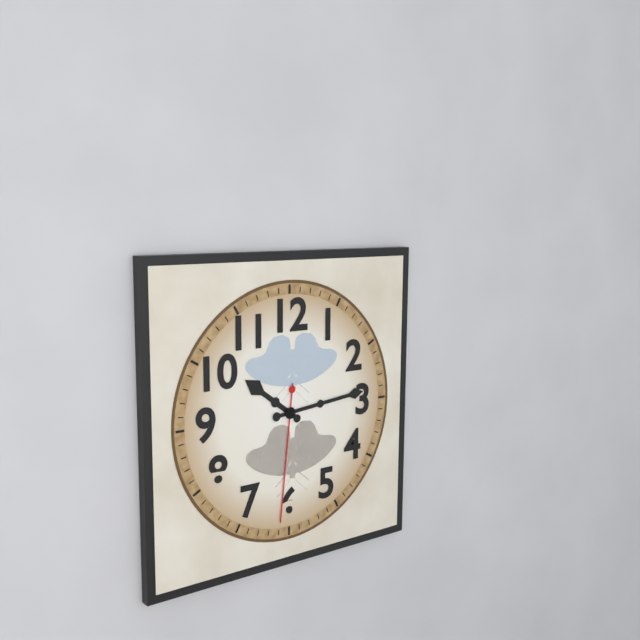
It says 10:14:31
